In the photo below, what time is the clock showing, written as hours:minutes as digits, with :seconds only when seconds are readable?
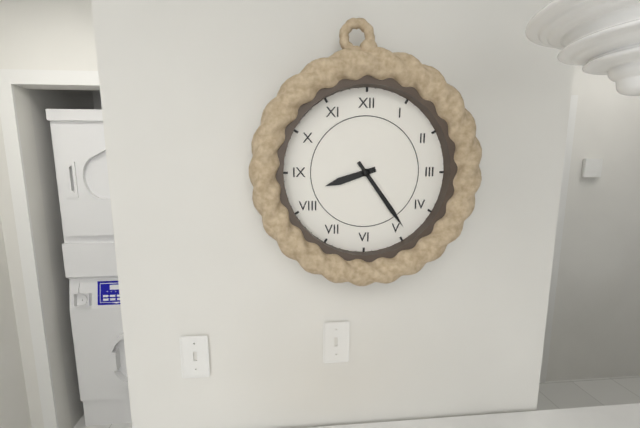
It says 8:24
